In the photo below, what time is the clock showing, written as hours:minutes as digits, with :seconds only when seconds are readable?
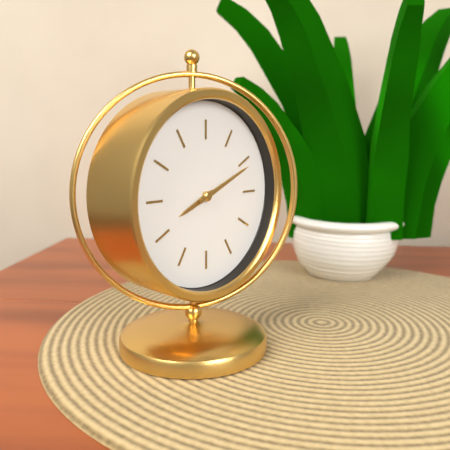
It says 8:11
